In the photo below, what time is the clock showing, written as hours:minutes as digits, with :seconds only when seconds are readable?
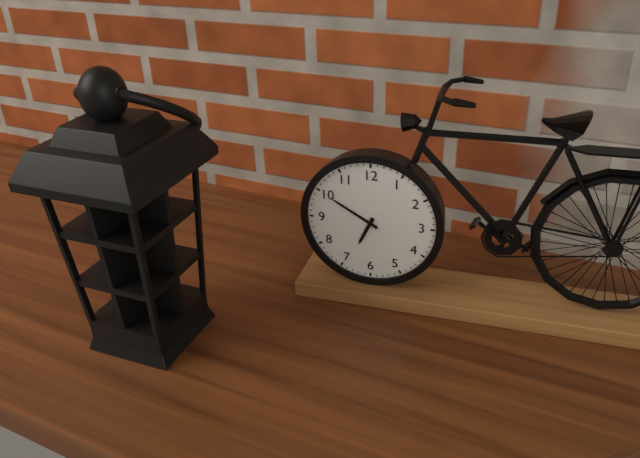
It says 6:50
